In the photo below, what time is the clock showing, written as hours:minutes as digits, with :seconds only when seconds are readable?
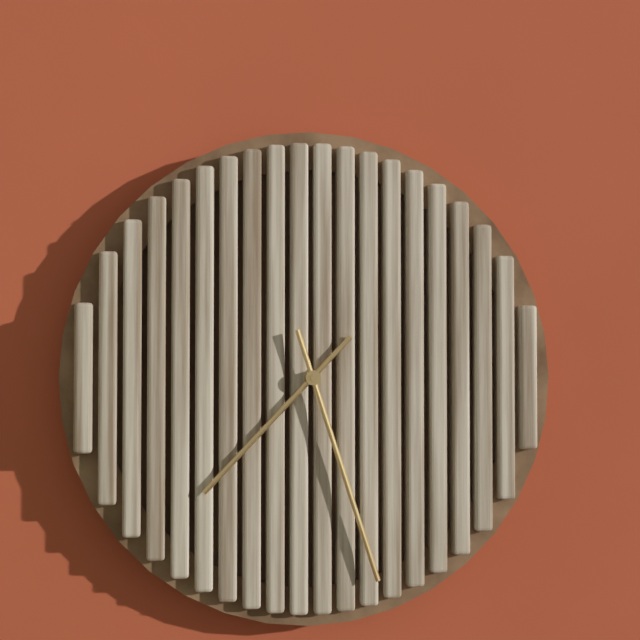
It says 7:27
